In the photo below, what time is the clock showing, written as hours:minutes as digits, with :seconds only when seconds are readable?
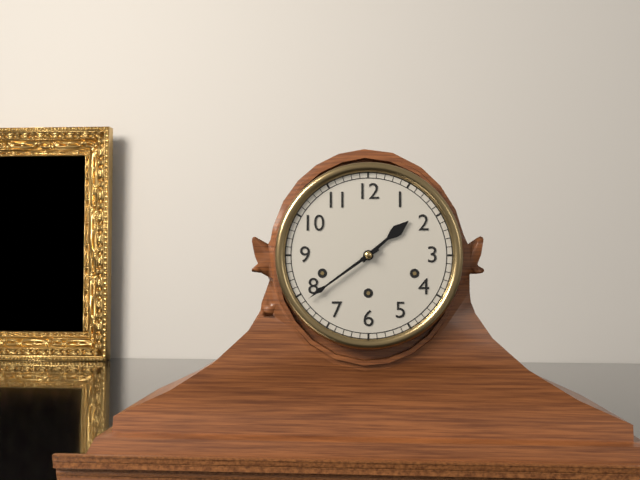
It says 1:39
